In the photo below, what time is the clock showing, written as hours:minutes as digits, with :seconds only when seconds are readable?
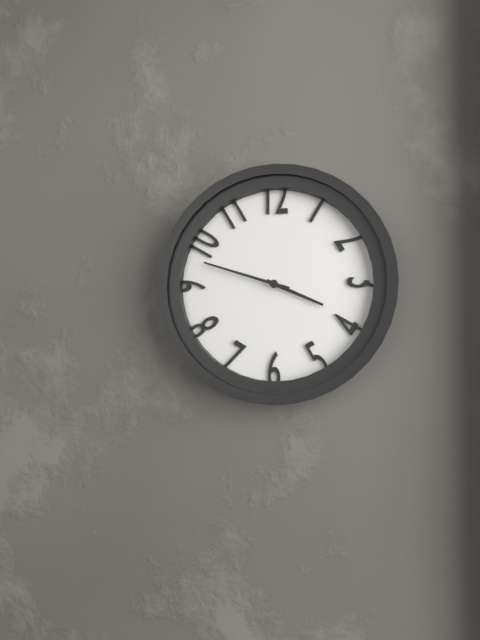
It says 3:48
